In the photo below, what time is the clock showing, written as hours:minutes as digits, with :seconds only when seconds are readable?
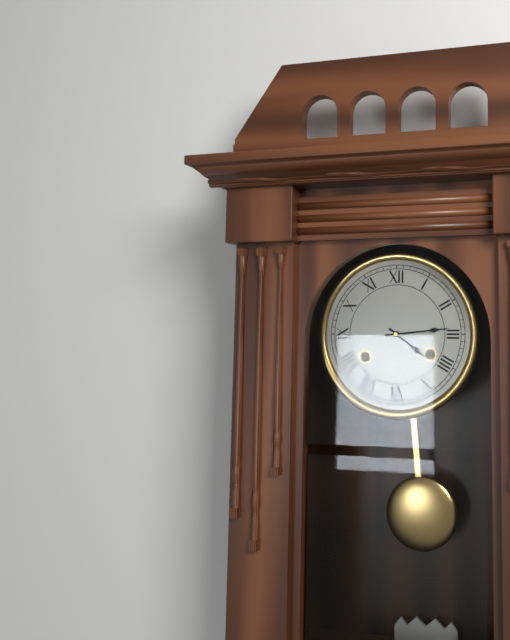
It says 4:14
